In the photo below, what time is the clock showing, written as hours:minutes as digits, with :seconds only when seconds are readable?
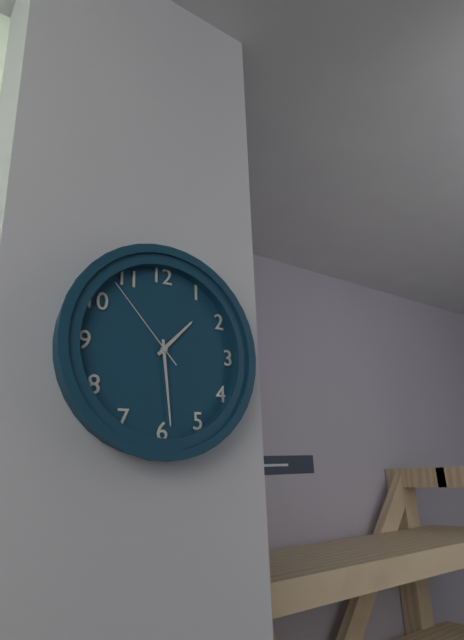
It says 1:29:53
